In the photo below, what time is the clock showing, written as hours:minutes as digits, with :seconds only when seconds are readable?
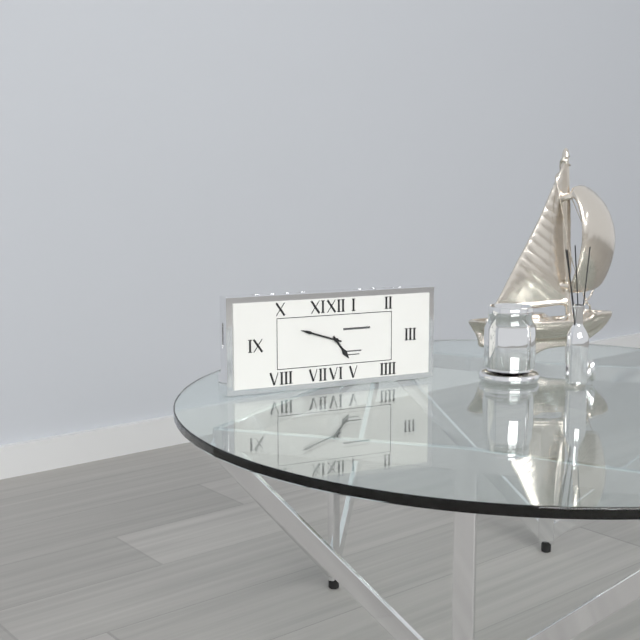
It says 4:48
